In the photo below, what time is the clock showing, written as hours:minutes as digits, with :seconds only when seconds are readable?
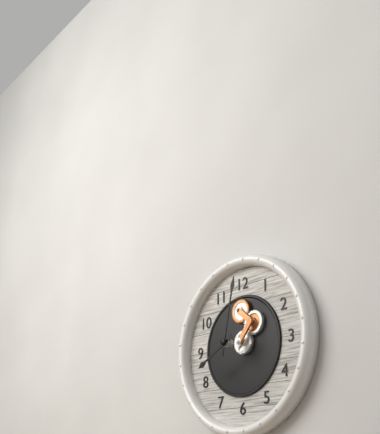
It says 8:02
